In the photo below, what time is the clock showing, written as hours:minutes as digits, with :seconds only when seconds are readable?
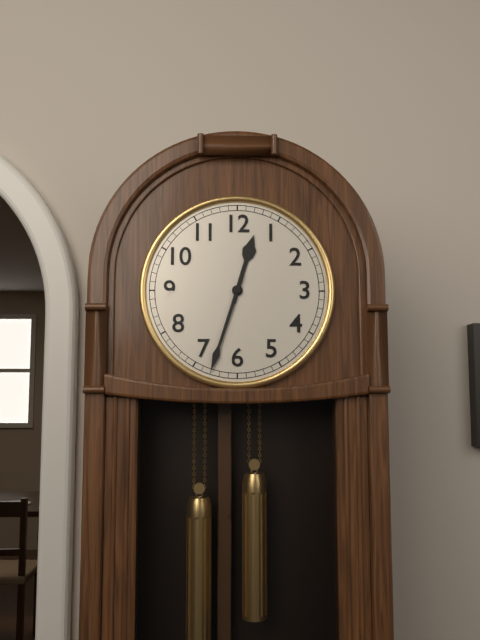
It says 12:33
